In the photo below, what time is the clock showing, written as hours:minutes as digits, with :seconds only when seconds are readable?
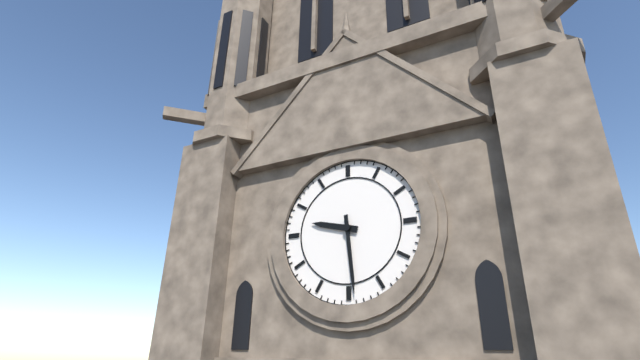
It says 9:29
